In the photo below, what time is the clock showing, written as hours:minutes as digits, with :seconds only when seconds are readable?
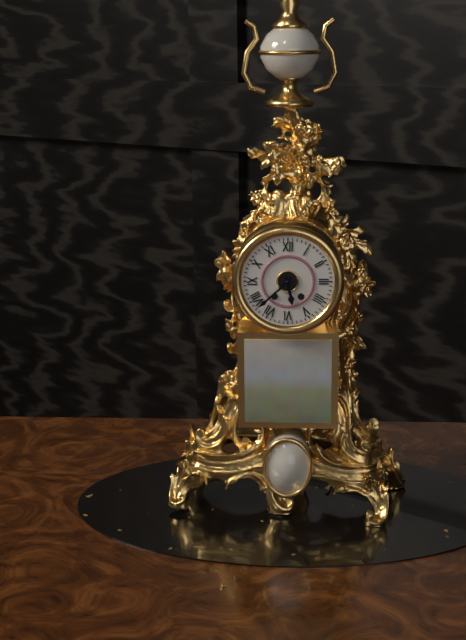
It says 5:38
